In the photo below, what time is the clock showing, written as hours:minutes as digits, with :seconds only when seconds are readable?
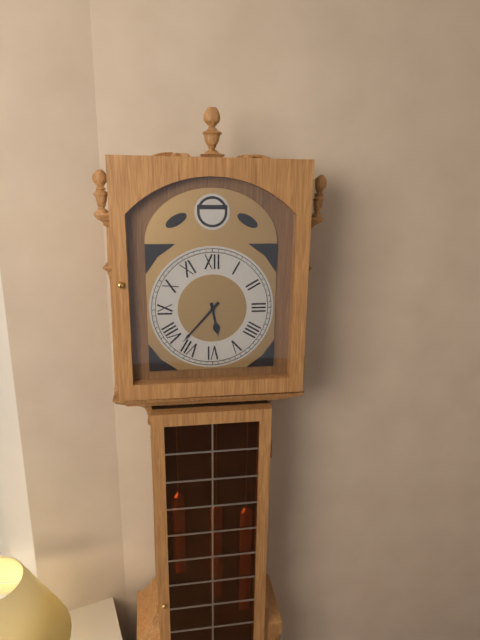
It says 5:37
